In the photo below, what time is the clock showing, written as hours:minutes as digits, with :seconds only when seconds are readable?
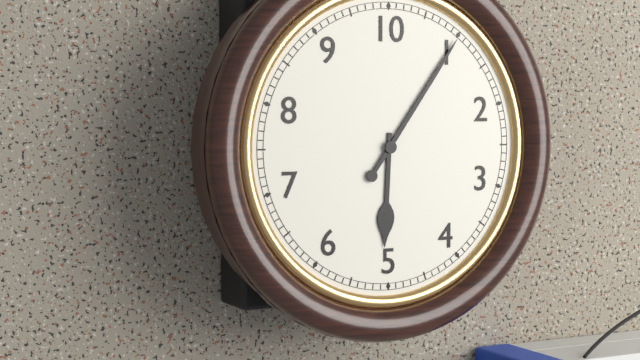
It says 6:06
